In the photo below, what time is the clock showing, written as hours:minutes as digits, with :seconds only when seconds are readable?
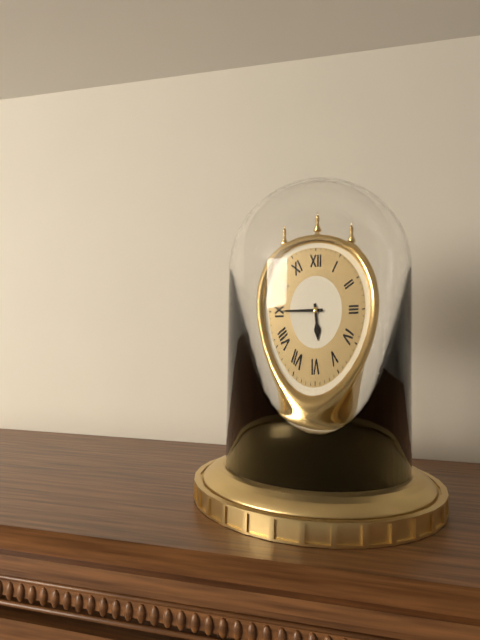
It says 5:45
